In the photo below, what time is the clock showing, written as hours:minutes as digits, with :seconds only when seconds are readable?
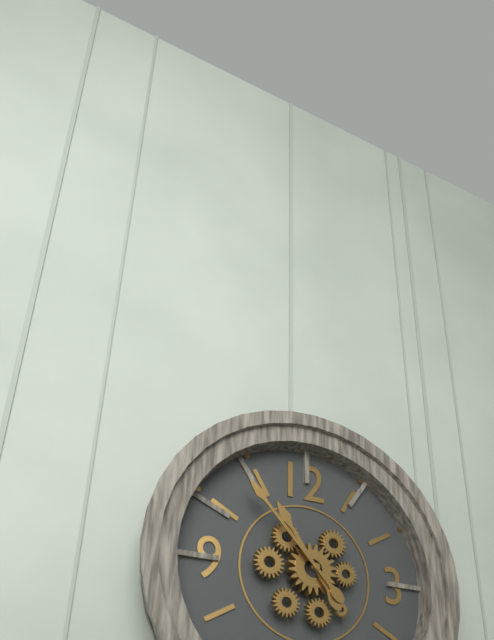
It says 10:53
